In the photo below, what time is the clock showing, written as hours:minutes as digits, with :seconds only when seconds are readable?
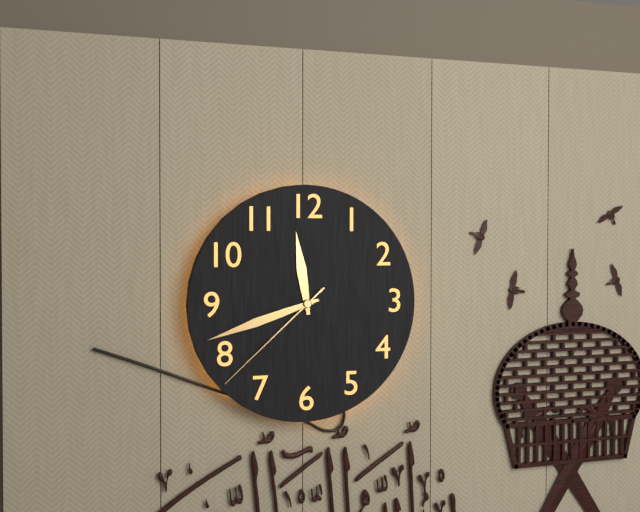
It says 11:42:38
